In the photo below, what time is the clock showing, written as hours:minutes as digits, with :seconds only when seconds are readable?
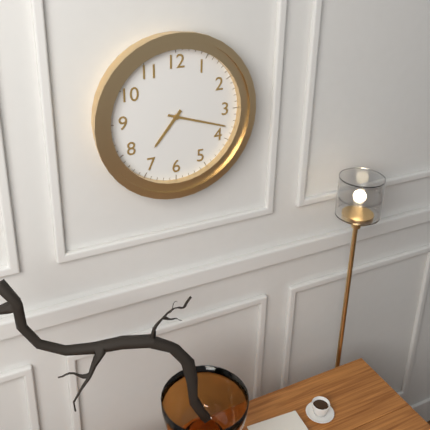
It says 7:18
